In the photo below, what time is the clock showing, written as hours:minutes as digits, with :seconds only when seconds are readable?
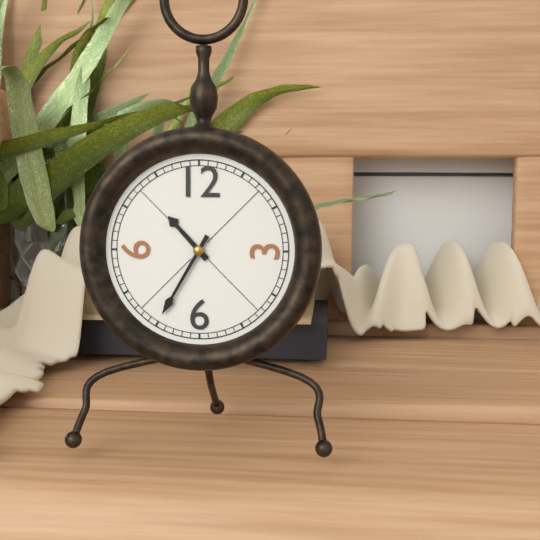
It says 10:35
